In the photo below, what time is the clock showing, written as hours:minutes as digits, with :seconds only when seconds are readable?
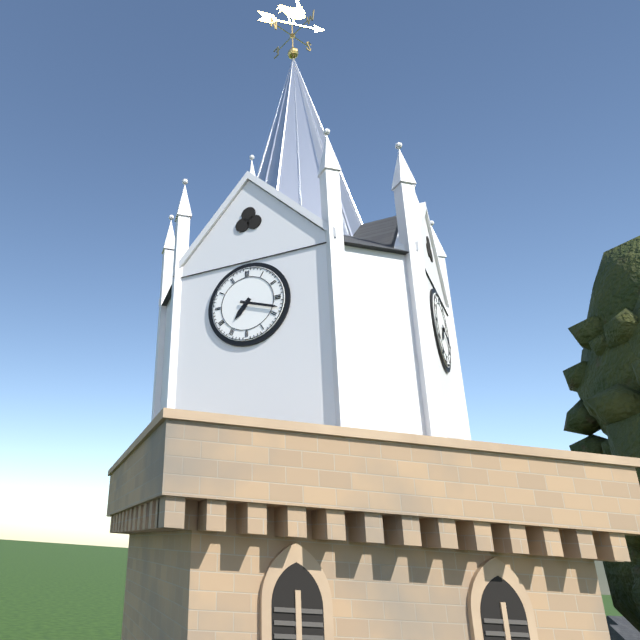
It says 7:18
